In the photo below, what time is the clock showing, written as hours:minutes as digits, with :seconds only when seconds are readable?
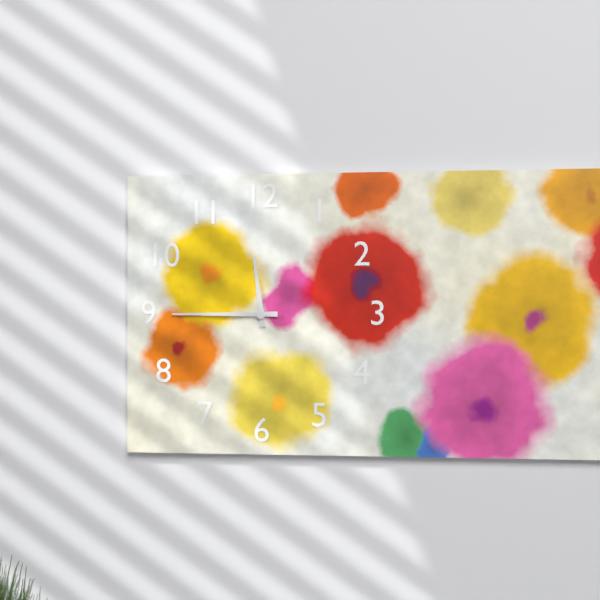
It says 11:45
